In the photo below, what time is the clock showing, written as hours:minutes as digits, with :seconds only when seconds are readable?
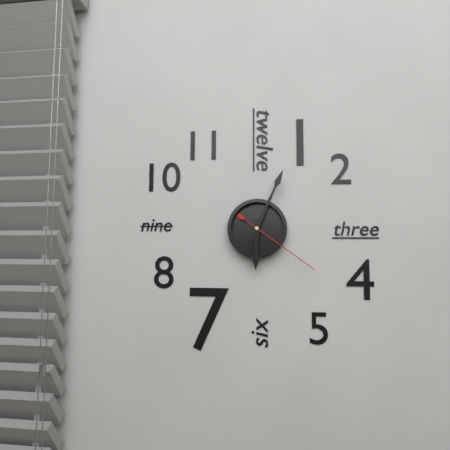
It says 6:04:21
